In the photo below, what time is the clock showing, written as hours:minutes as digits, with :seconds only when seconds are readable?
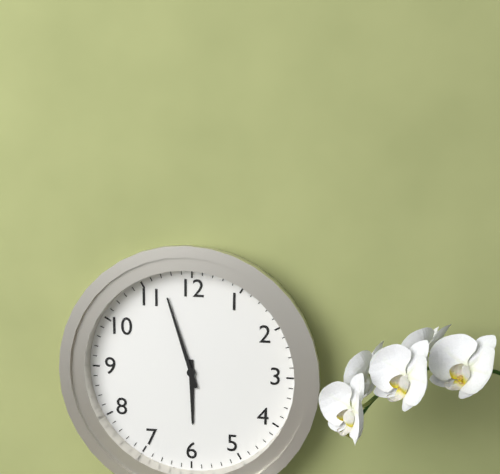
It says 5:57
